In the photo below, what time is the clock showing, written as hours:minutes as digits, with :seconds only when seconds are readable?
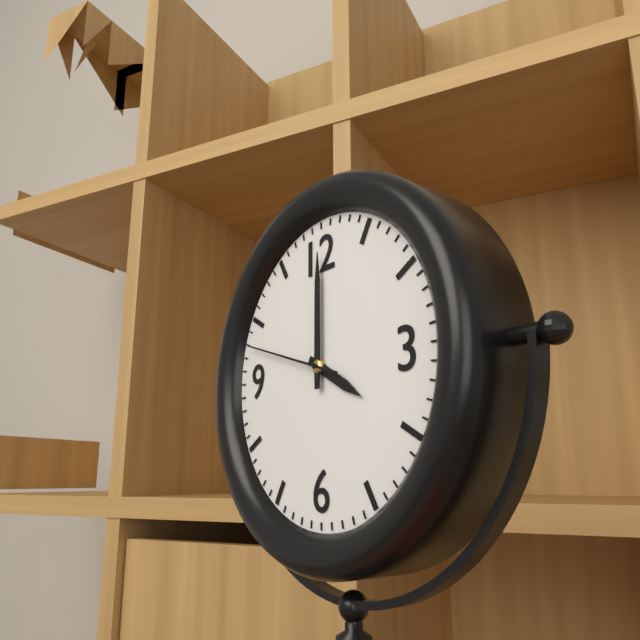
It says 4:00:48
